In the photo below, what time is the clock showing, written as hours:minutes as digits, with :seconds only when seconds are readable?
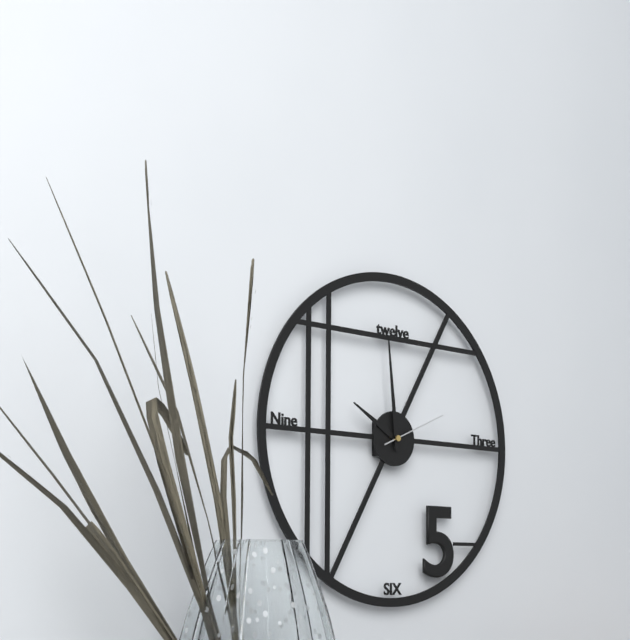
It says 9:59:11
